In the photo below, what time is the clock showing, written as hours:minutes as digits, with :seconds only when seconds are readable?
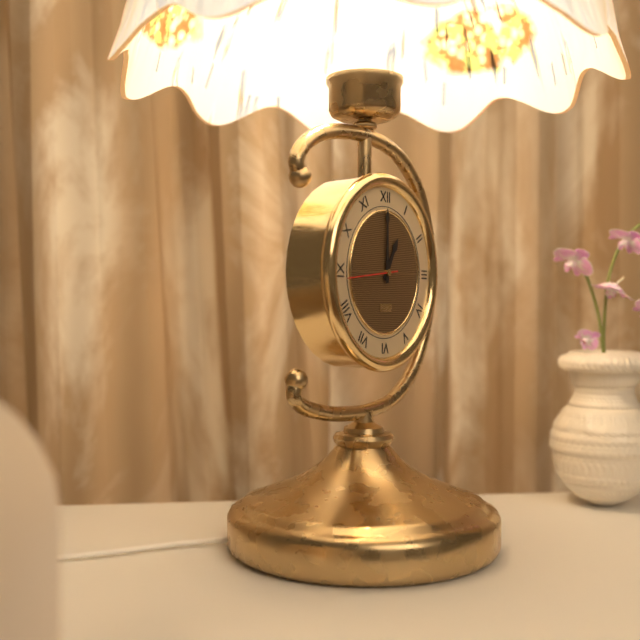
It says 1:00:44
